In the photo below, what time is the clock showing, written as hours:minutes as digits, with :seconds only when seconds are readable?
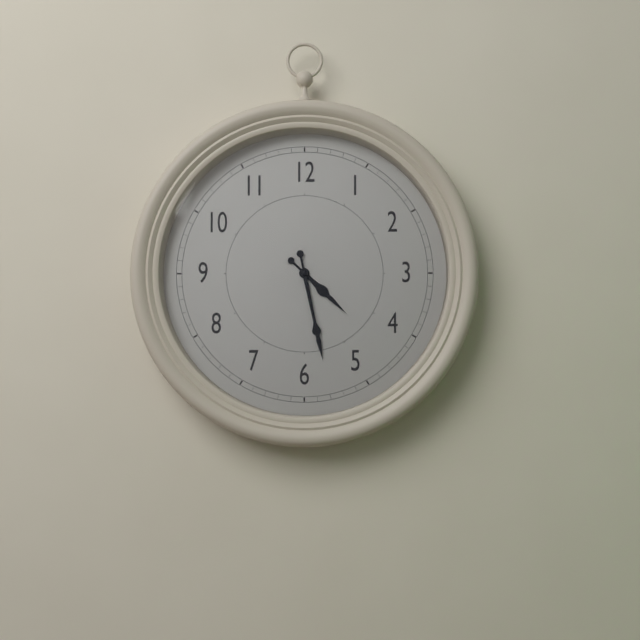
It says 4:28
